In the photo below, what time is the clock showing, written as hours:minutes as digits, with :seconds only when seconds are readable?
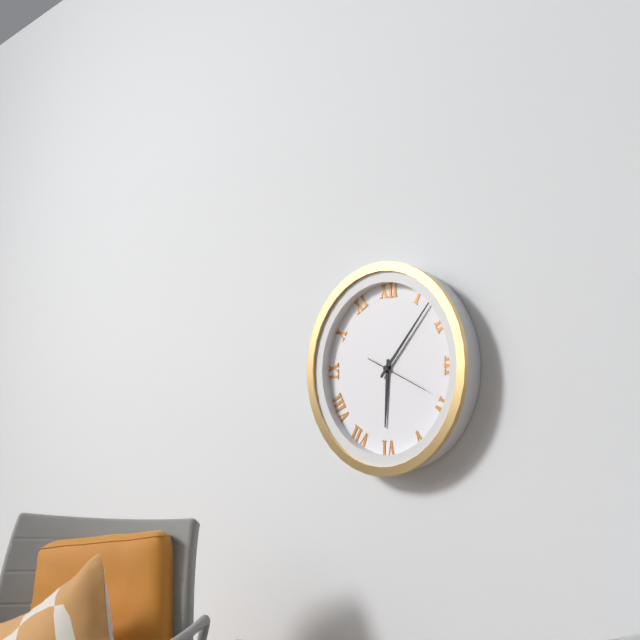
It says 6:07:19
